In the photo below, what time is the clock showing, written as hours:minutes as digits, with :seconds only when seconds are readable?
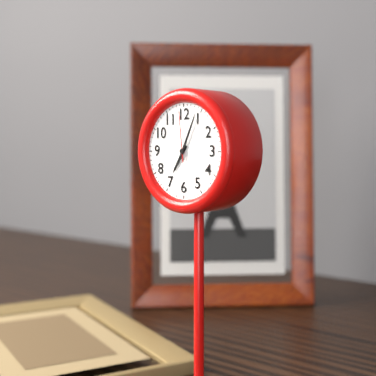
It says 7:04:59
